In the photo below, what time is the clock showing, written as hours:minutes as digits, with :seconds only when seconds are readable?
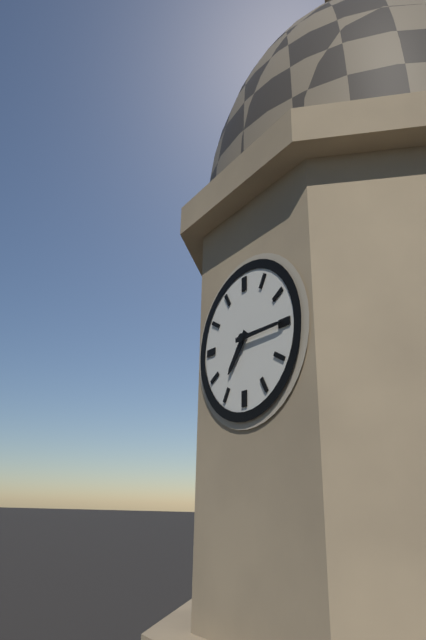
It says 7:15
